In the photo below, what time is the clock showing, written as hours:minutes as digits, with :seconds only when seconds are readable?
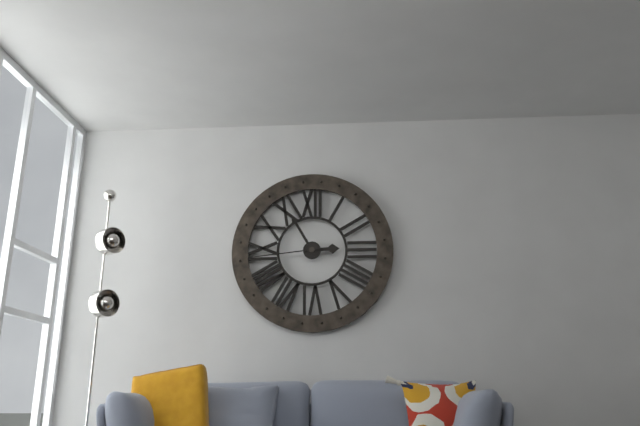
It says 2:55:44
